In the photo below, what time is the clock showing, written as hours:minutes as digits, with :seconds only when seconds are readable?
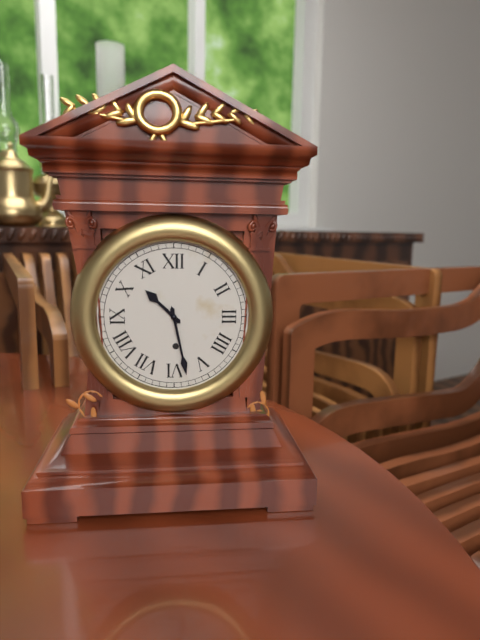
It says 10:28
